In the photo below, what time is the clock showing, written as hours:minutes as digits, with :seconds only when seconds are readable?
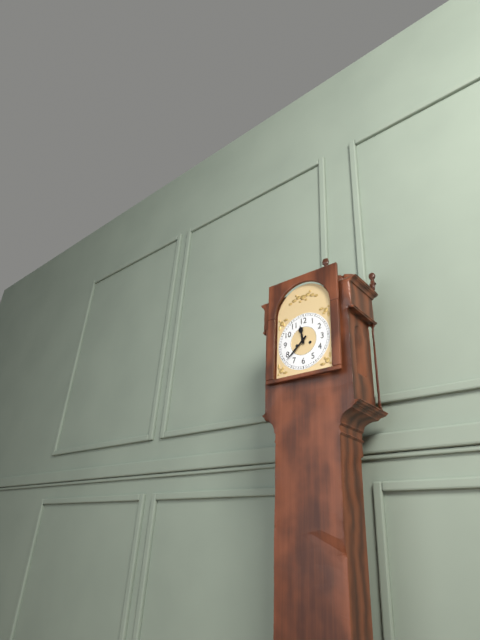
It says 11:38
